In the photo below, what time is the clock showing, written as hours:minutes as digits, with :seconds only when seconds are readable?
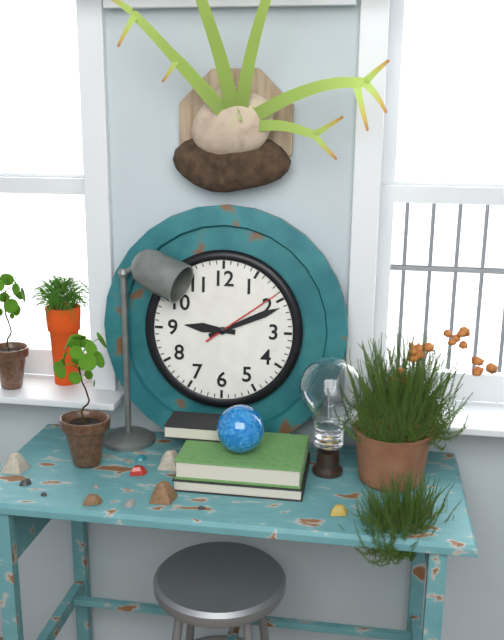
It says 9:11:09
